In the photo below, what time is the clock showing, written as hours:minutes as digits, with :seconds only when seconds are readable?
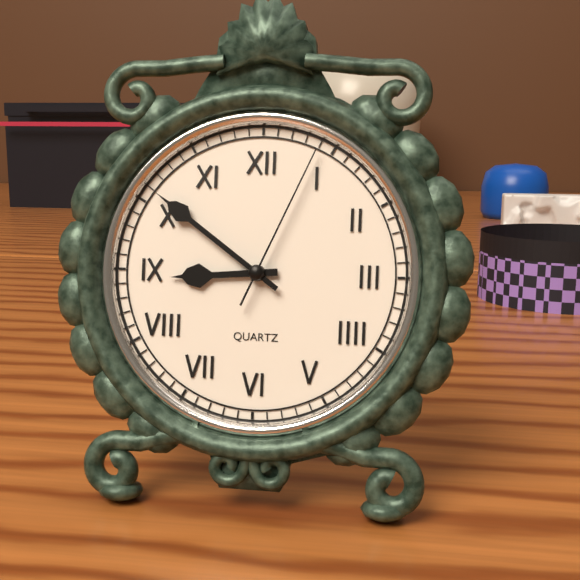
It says 8:51:04
